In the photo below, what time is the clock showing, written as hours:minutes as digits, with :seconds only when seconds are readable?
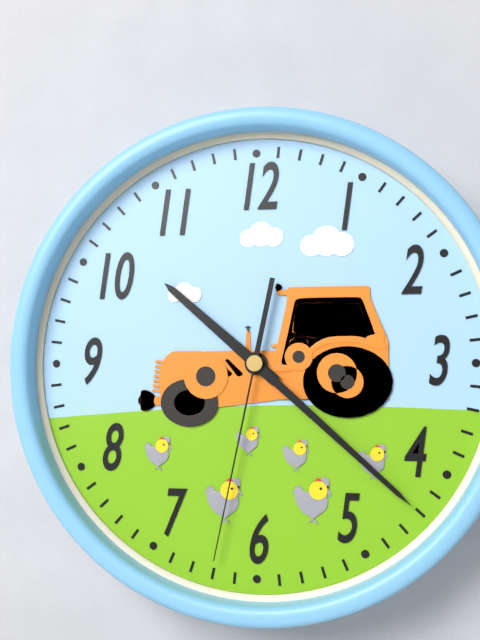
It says 10:22:32
